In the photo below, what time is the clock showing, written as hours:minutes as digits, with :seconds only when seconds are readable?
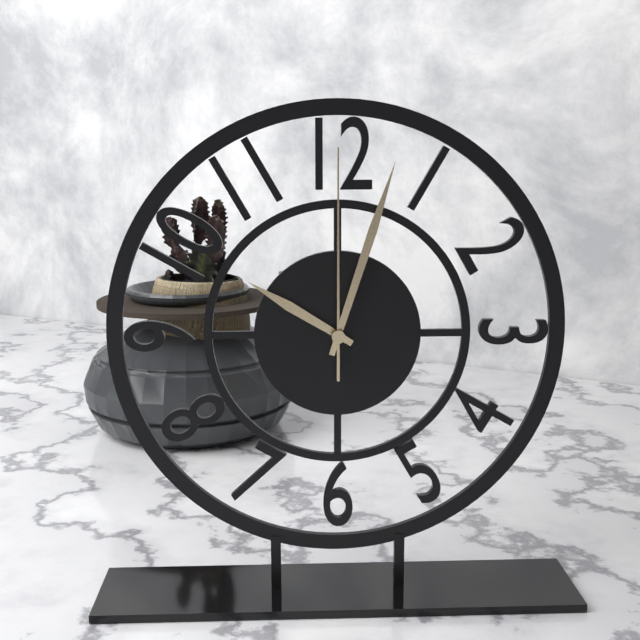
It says 10:03:00
